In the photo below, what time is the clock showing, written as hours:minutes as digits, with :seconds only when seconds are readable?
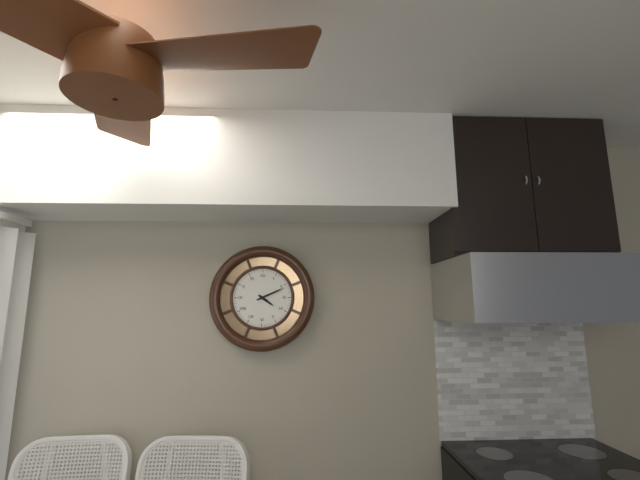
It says 4:11
